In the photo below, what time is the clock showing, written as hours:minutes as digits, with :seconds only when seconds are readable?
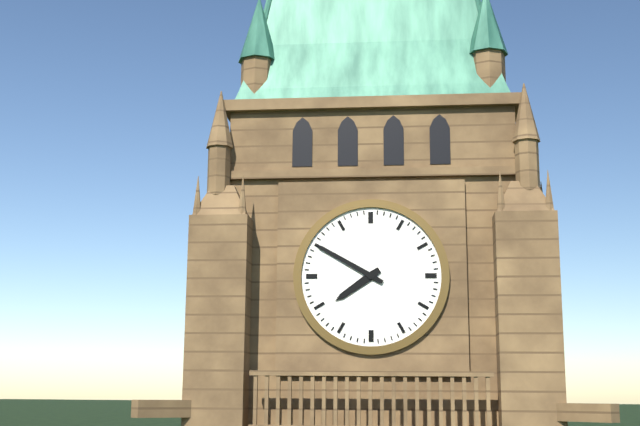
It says 7:50
